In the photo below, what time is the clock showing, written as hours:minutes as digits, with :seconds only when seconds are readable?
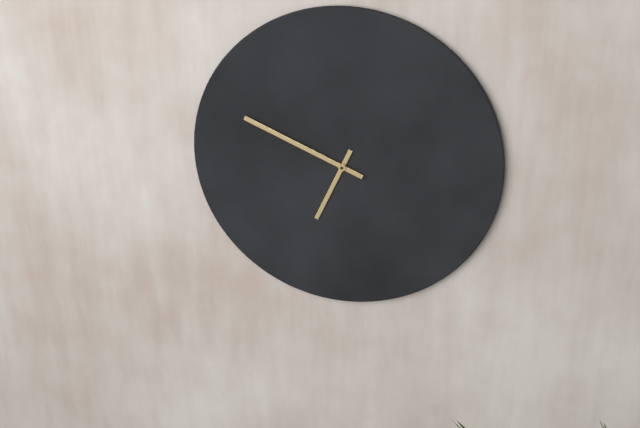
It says 6:49
